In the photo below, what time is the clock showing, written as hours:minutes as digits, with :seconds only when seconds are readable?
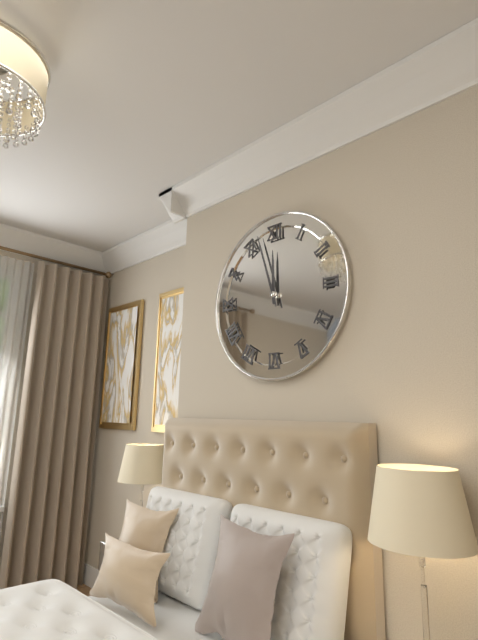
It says 11:57
